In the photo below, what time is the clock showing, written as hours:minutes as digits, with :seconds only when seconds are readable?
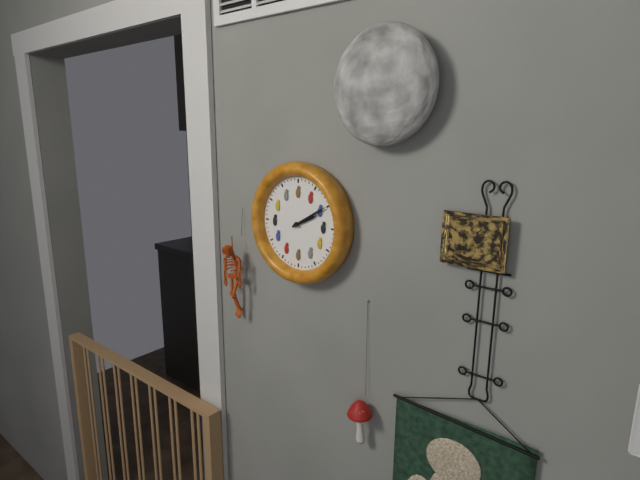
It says 2:10
